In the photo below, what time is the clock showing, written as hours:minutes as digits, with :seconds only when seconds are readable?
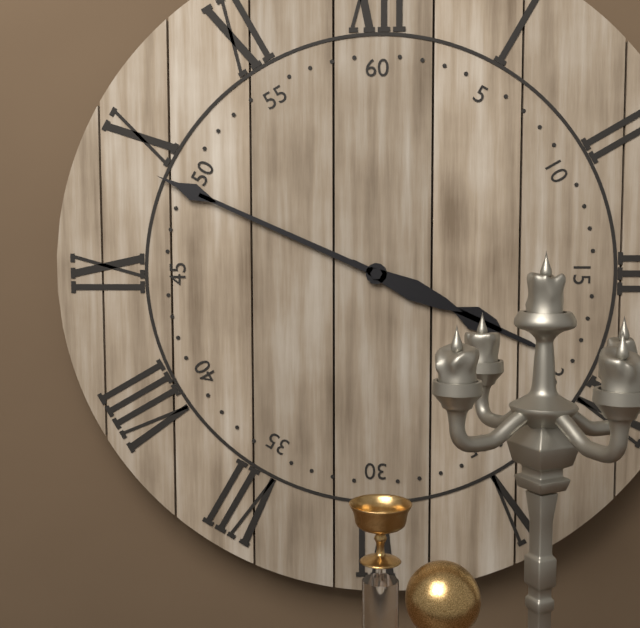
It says 3:49
